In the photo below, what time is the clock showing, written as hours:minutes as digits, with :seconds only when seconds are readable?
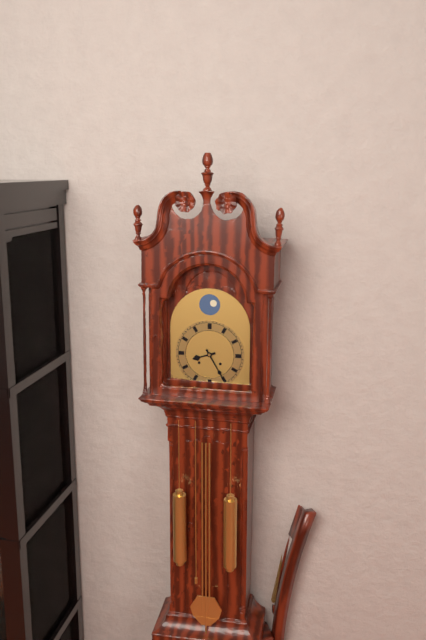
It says 8:25
